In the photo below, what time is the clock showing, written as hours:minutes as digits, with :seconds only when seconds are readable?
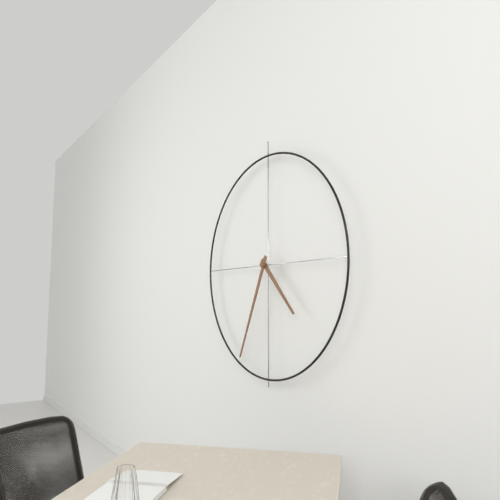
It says 4:34
